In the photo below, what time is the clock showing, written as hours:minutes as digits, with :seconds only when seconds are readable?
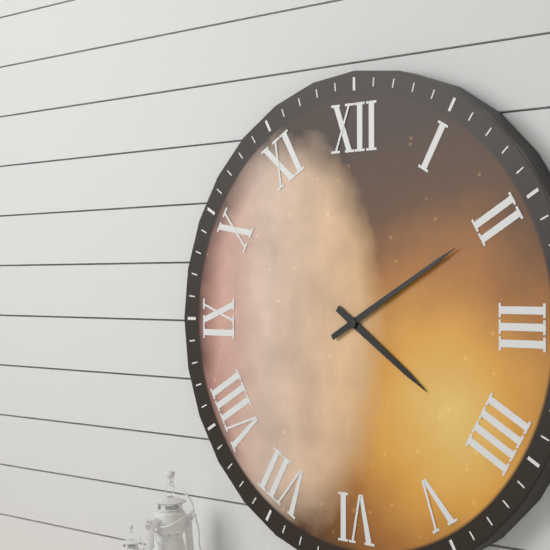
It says 4:10
